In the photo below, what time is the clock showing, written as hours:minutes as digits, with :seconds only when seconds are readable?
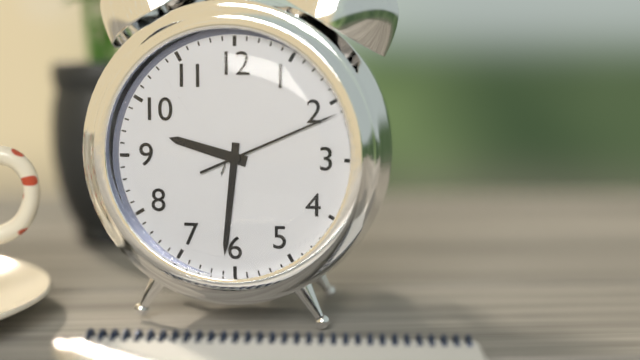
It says 9:31:11
